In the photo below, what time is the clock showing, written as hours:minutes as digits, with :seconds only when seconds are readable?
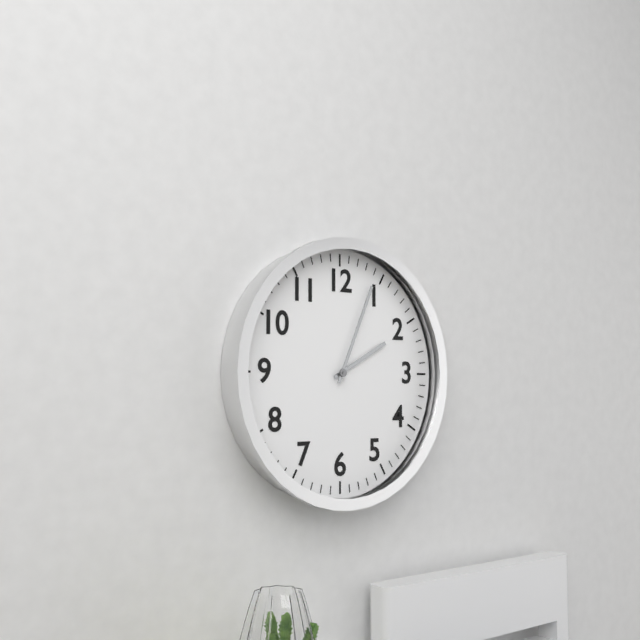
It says 2:04
